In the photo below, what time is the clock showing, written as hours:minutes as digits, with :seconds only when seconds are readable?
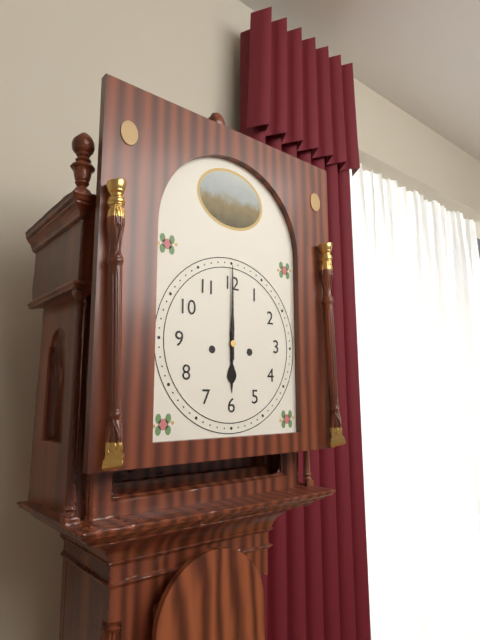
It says 6:00
